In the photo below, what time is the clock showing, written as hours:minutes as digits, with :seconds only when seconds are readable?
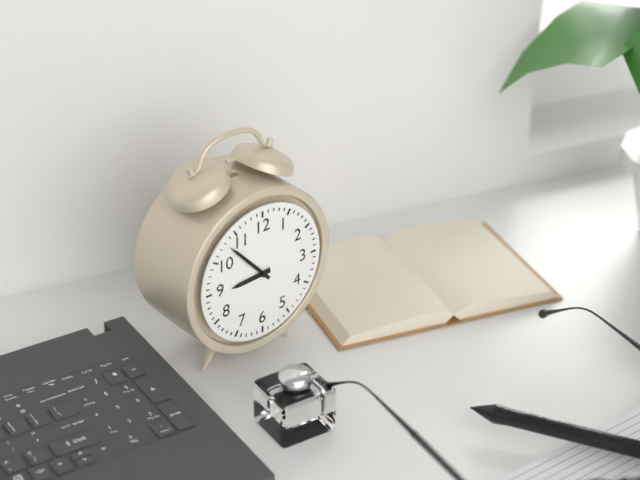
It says 8:53
